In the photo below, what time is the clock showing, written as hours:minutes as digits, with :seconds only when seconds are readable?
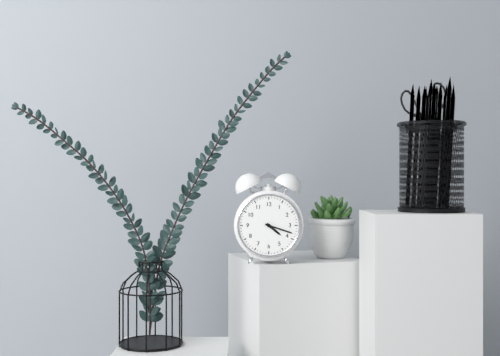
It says 4:18
